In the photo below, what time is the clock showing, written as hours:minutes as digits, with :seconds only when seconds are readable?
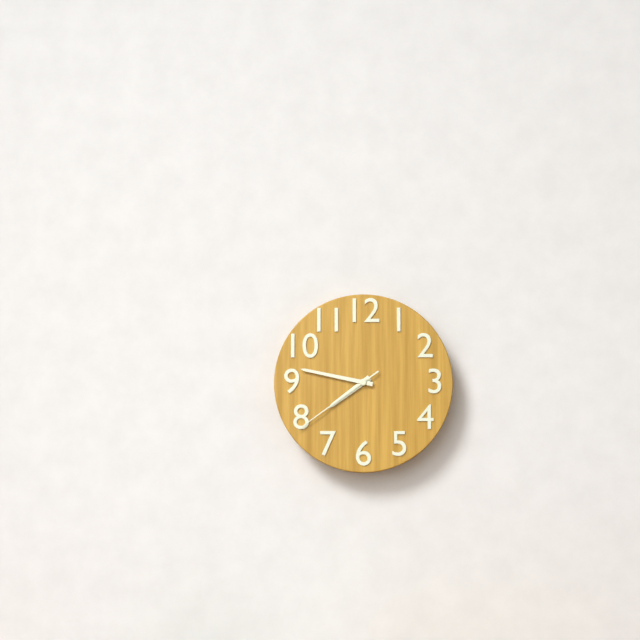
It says 7:47:39
